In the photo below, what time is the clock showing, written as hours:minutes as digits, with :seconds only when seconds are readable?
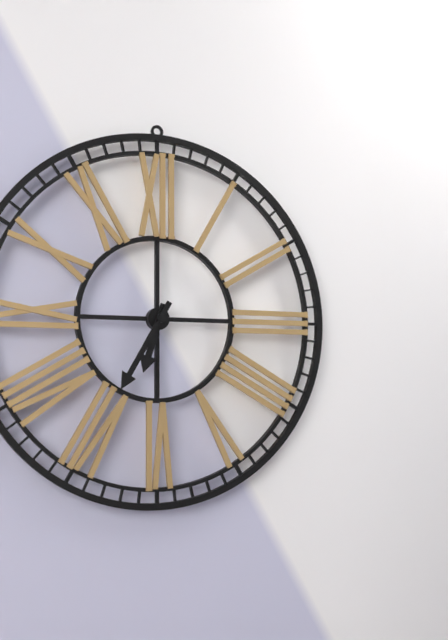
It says 6:35
